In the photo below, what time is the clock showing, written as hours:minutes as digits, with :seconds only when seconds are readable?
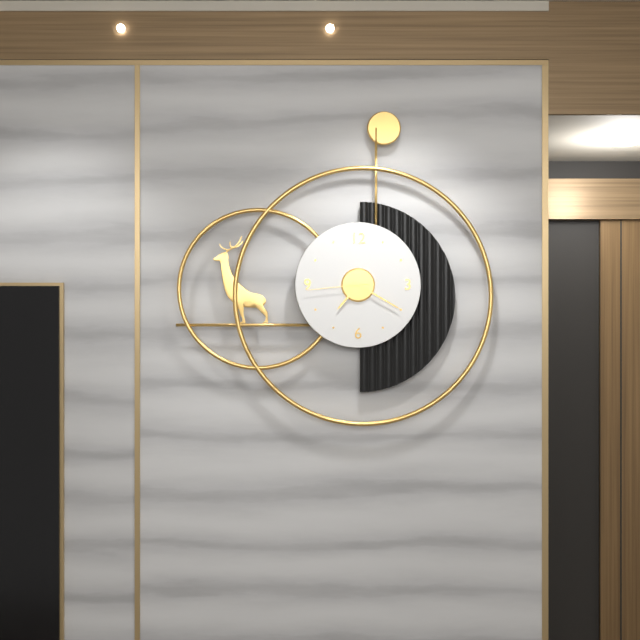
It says 7:20:44
